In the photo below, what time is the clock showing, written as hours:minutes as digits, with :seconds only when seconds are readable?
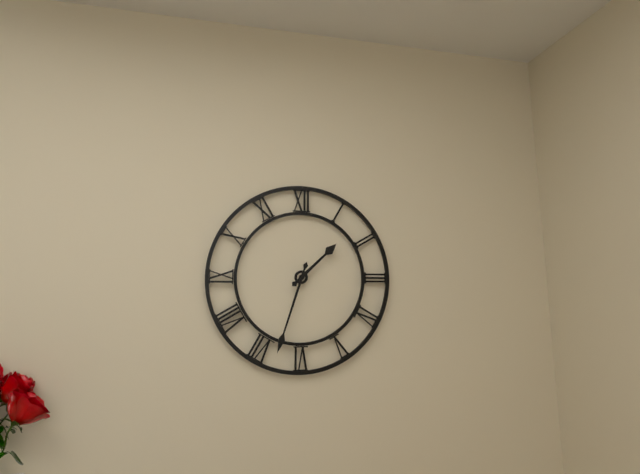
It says 1:33
